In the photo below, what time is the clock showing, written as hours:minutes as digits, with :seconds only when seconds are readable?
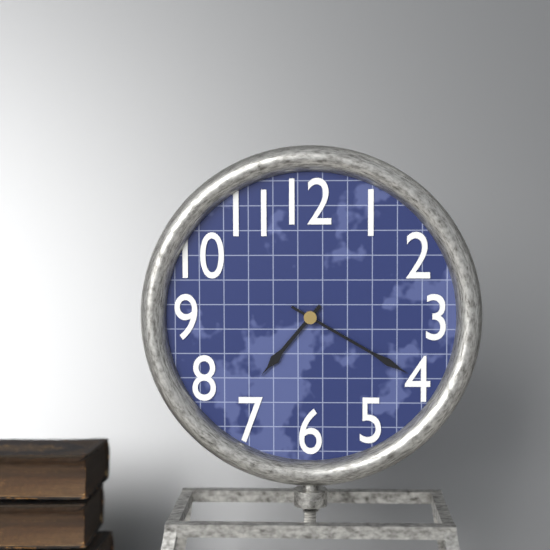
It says 7:20
